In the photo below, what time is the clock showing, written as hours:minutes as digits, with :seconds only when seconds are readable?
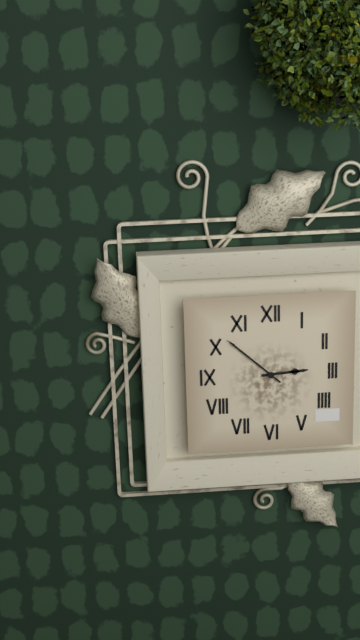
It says 2:52
